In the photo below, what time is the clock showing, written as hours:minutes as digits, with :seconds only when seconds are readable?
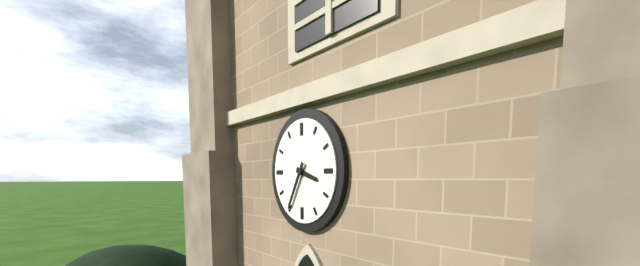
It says 3:35
